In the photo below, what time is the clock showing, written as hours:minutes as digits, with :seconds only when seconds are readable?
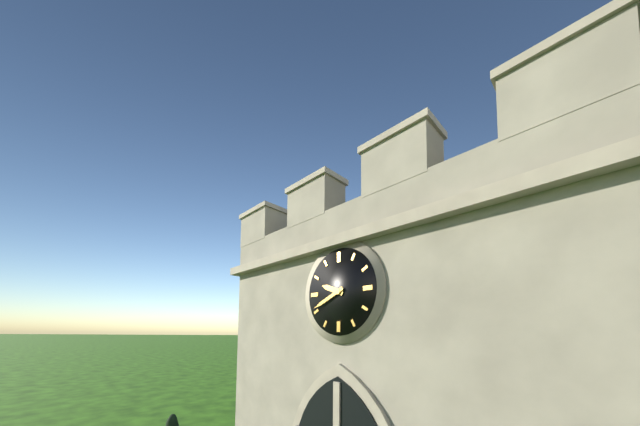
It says 9:41
